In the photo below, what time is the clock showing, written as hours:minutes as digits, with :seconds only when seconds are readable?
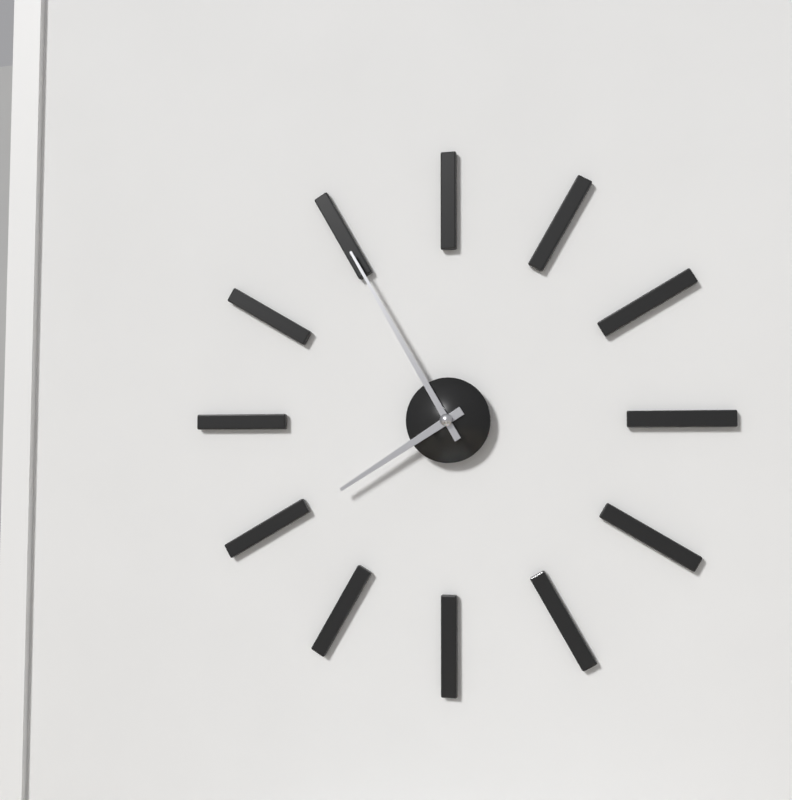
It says 7:55
